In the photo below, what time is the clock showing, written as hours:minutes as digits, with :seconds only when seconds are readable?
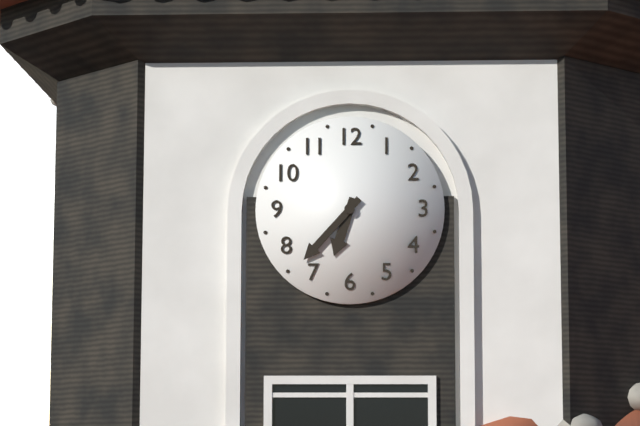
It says 6:37
